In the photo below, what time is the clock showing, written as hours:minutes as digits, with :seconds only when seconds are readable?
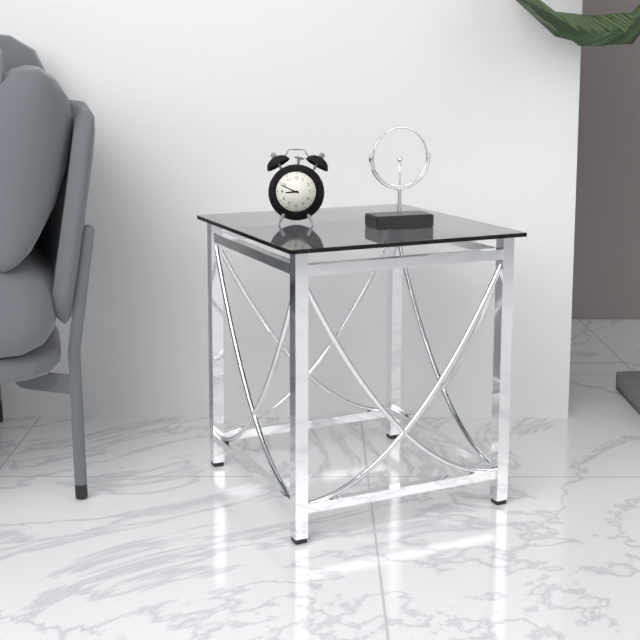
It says 8:49
